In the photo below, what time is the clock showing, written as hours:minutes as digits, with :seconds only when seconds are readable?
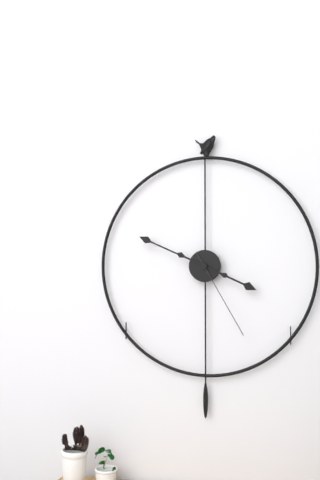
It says 3:49:25
